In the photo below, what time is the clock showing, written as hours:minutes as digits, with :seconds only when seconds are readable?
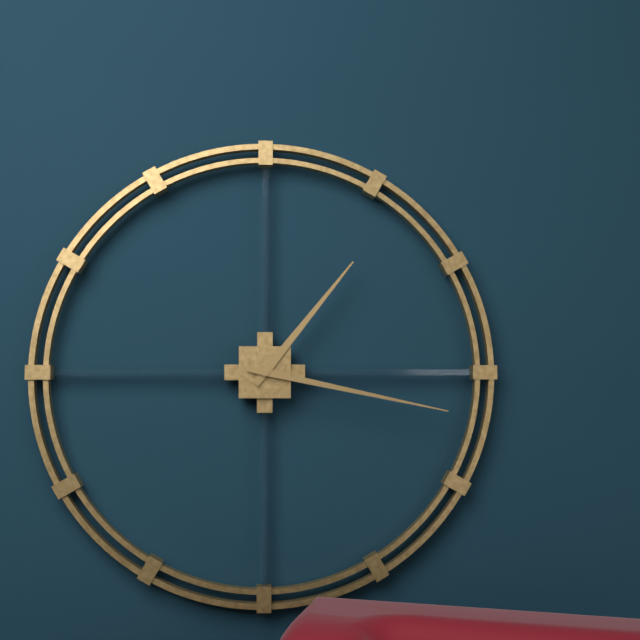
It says 1:17
